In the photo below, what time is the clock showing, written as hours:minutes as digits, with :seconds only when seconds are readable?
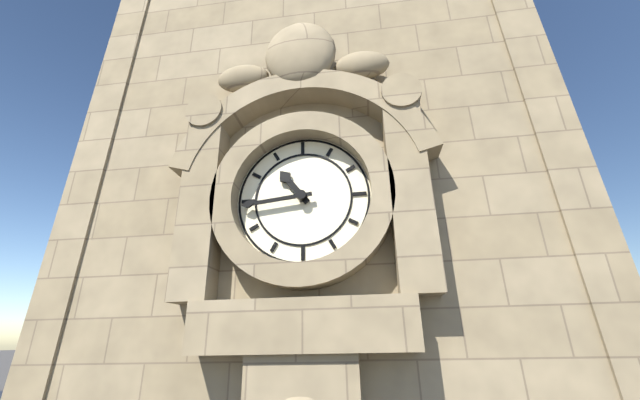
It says 10:44
